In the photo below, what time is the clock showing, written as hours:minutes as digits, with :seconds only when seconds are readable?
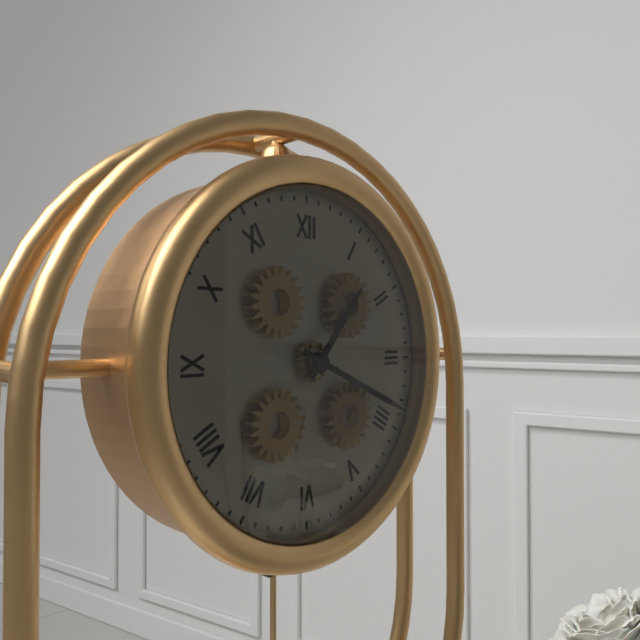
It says 1:19
